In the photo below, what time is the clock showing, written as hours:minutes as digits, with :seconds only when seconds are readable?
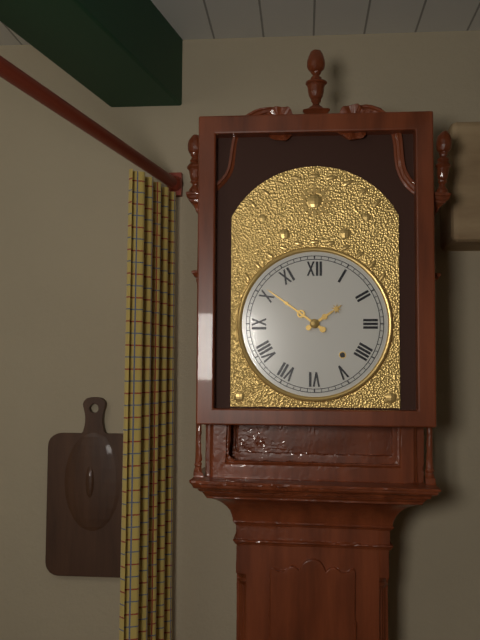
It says 1:51
